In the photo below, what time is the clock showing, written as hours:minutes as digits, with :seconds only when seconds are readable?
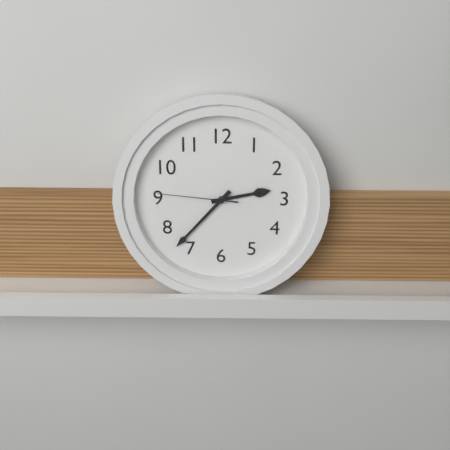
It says 2:37:46
